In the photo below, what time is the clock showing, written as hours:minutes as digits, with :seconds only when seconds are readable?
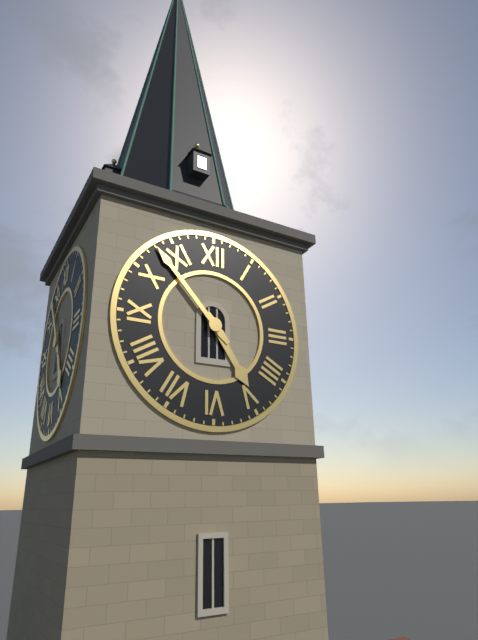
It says 4:53
